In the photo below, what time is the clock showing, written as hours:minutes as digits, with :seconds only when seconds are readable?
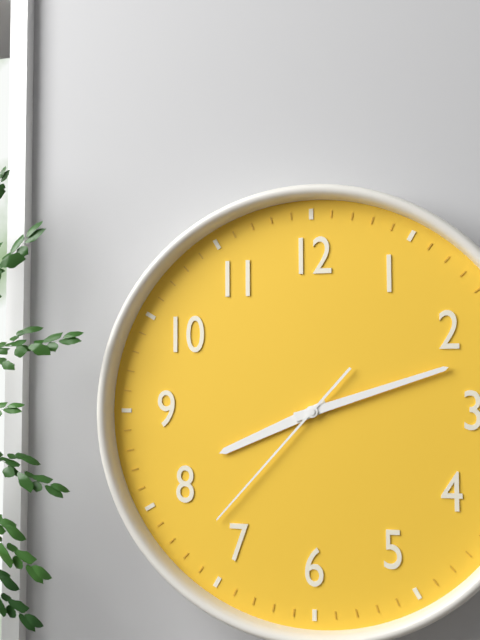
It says 8:12:37
